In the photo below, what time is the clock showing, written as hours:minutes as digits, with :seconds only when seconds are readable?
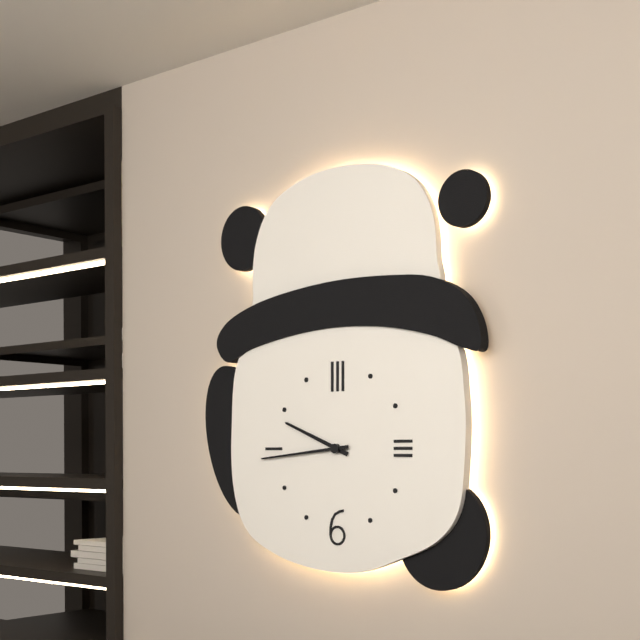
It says 9:44
